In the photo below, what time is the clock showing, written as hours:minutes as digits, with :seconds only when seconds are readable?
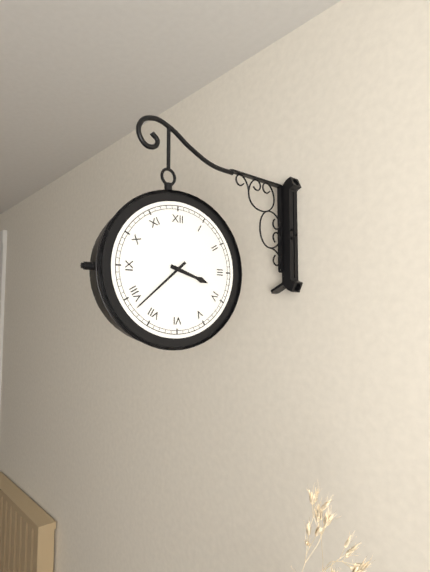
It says 3:38
